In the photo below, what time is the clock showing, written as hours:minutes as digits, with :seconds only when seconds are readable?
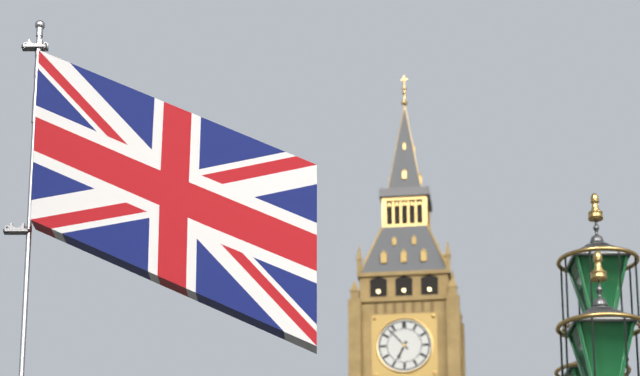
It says 6:53
